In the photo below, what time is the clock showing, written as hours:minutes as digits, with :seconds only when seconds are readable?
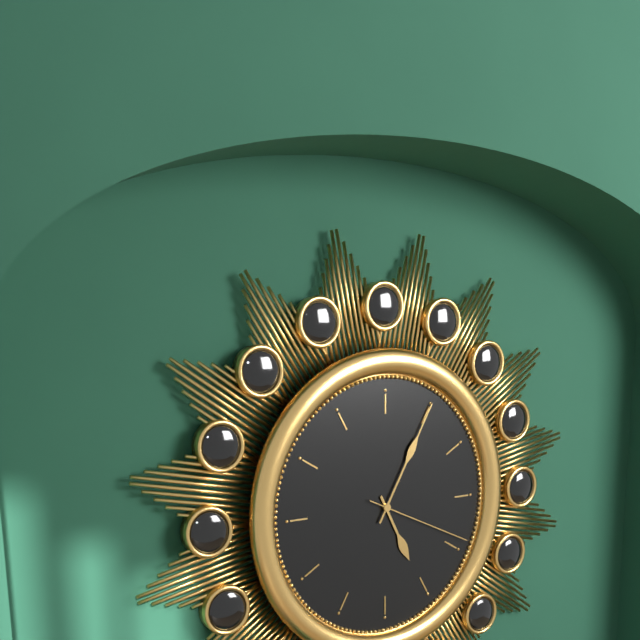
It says 5:05:19
